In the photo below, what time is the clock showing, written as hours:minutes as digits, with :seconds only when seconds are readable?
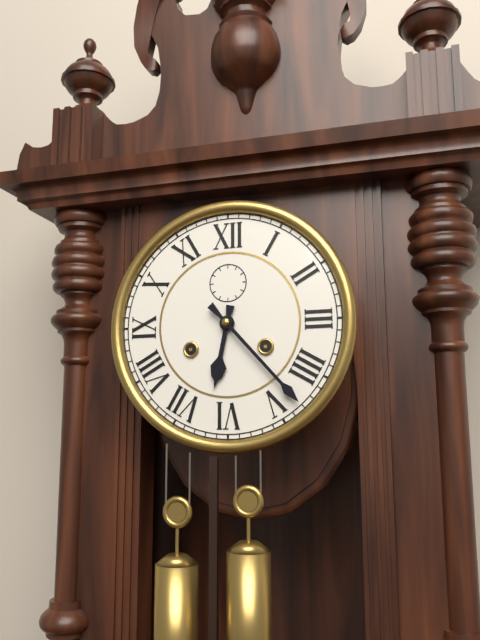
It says 6:23
